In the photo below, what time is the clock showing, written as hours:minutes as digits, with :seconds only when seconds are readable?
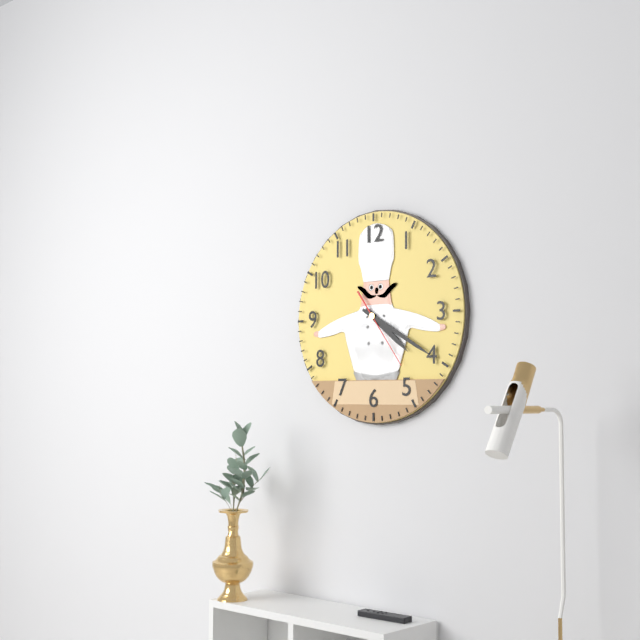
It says 4:20:24
